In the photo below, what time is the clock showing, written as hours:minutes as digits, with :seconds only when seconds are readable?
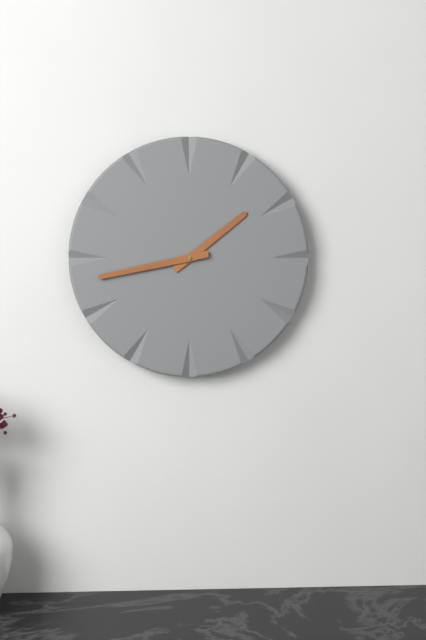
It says 1:43
